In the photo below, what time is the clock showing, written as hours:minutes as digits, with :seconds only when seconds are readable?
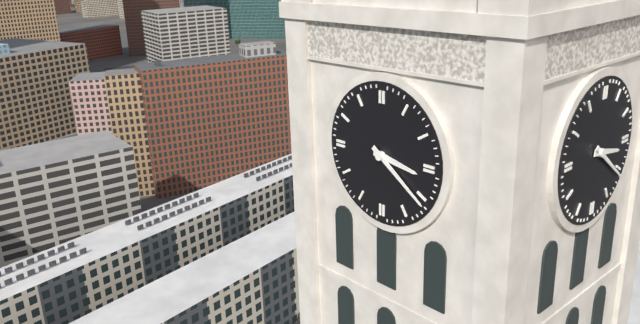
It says 3:21
